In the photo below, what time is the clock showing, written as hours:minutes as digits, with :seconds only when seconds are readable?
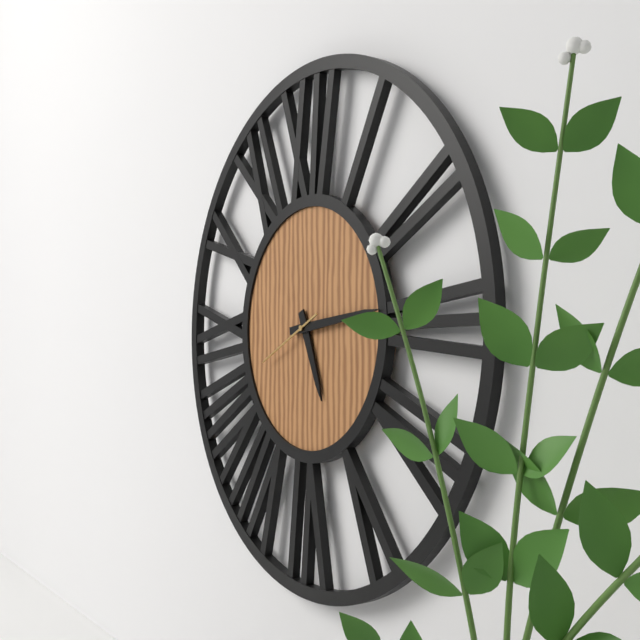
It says 5:14:41
